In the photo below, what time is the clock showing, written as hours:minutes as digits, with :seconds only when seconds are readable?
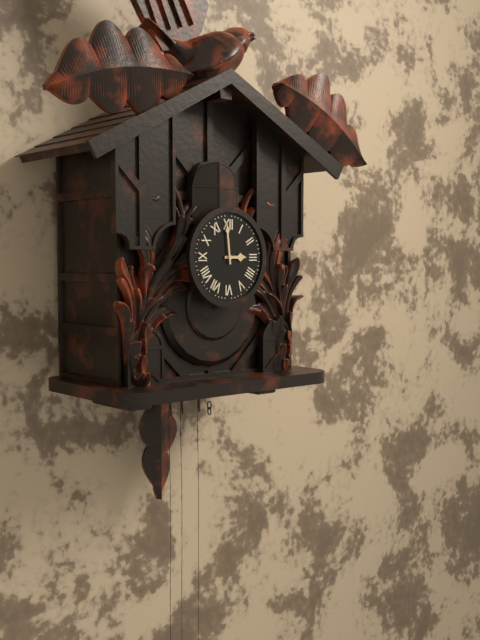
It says 2:59
